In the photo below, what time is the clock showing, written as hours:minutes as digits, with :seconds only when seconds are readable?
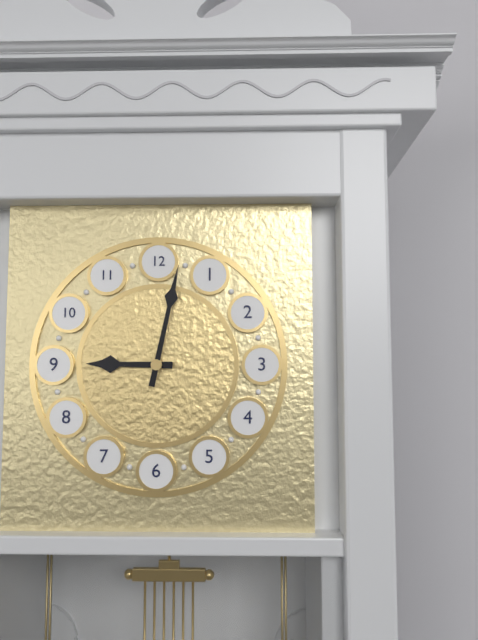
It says 9:02
